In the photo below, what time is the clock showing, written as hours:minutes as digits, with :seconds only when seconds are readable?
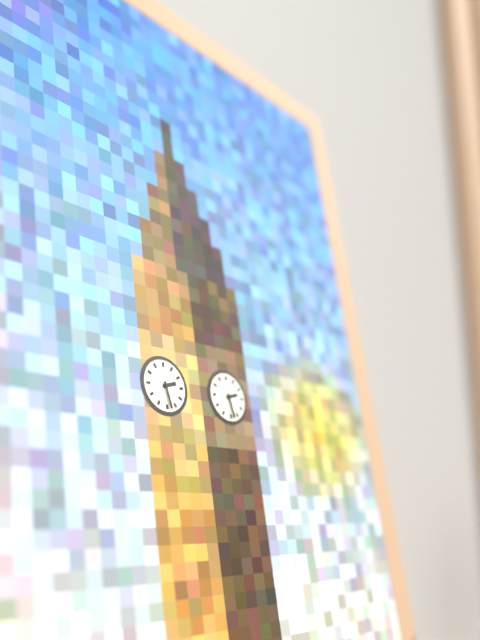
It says 2:28
